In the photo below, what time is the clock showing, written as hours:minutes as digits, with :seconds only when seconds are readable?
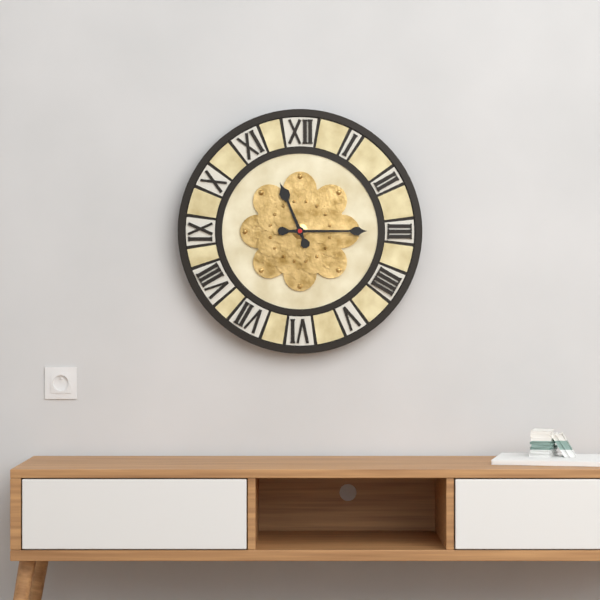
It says 11:15
